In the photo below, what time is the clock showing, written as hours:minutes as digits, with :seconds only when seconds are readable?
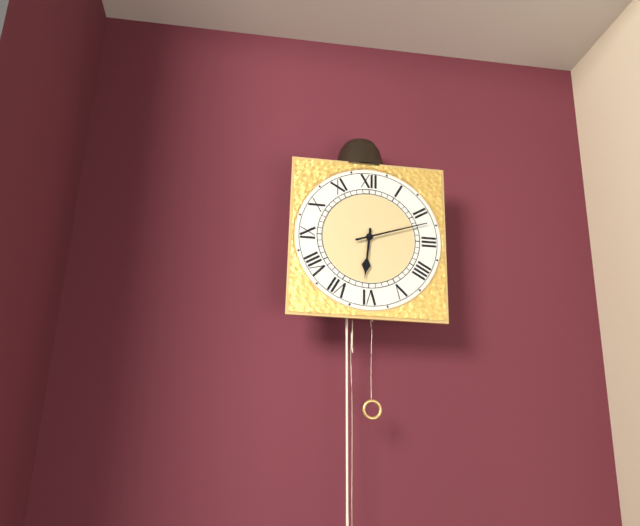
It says 6:12
